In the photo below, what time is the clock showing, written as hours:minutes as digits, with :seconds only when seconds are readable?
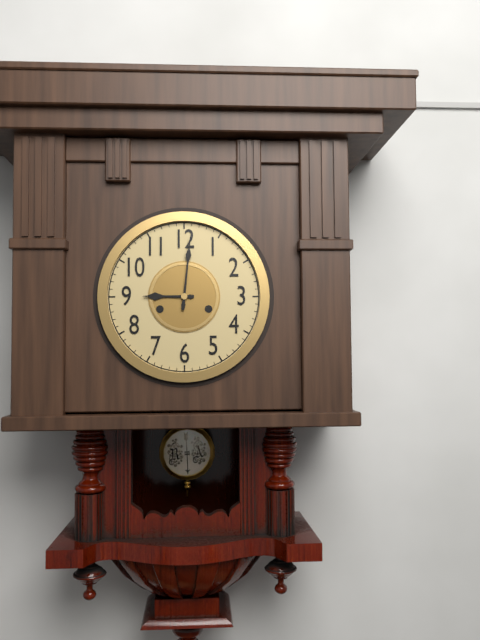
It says 9:01
